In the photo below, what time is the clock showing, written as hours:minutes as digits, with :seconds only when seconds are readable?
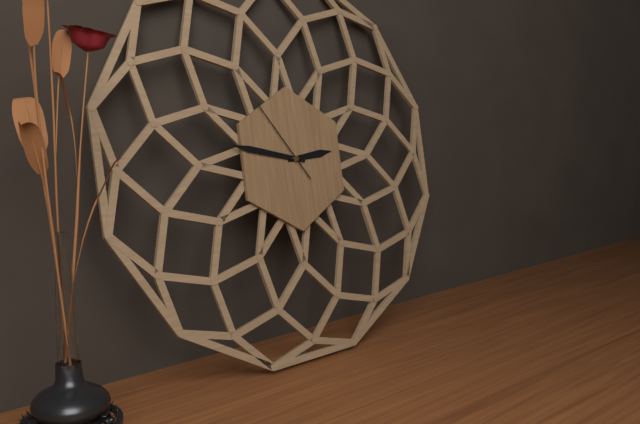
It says 2:47:54
